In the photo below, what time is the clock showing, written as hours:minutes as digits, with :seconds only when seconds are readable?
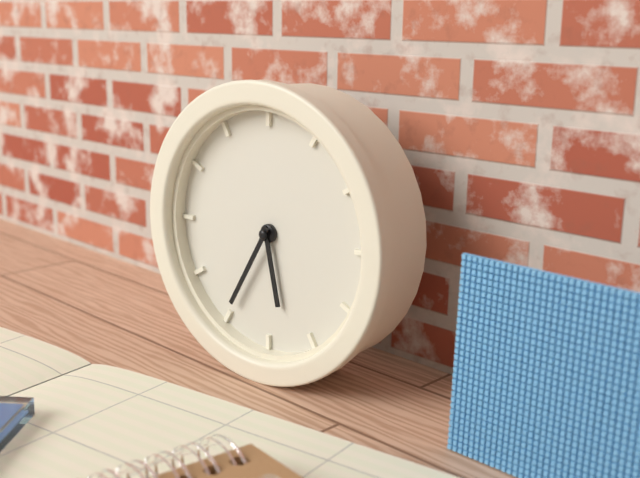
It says 5:35
